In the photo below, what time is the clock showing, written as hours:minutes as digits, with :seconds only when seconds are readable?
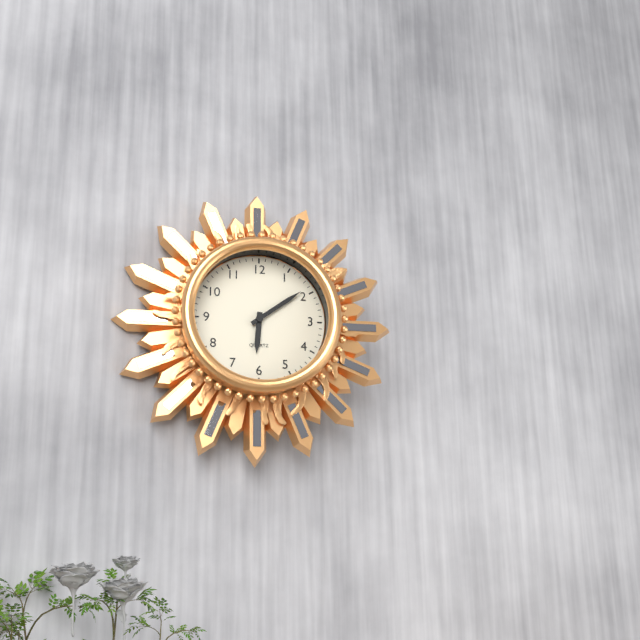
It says 6:09
